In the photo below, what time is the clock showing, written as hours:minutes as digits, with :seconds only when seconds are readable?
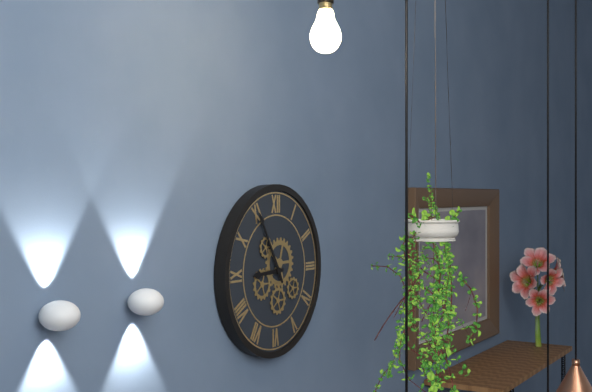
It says 8:55
